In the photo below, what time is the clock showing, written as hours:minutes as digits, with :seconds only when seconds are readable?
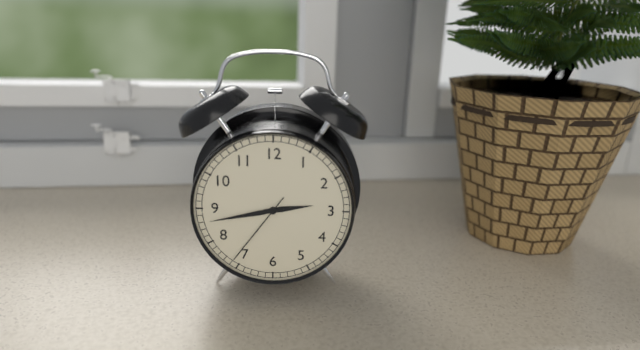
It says 2:43:36
